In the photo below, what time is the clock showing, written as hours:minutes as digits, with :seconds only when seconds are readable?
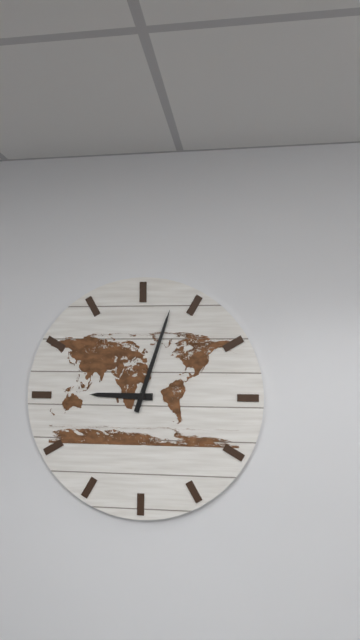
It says 9:03
